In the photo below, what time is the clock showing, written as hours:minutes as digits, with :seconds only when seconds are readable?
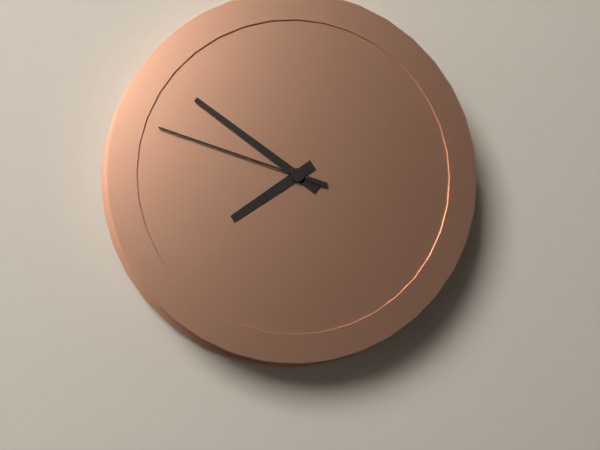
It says 7:51:48
